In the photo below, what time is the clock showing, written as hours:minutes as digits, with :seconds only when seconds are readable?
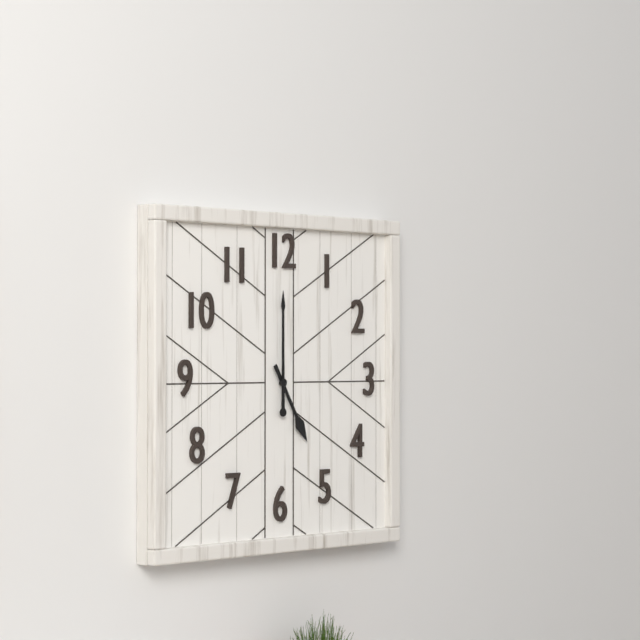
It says 5:00
